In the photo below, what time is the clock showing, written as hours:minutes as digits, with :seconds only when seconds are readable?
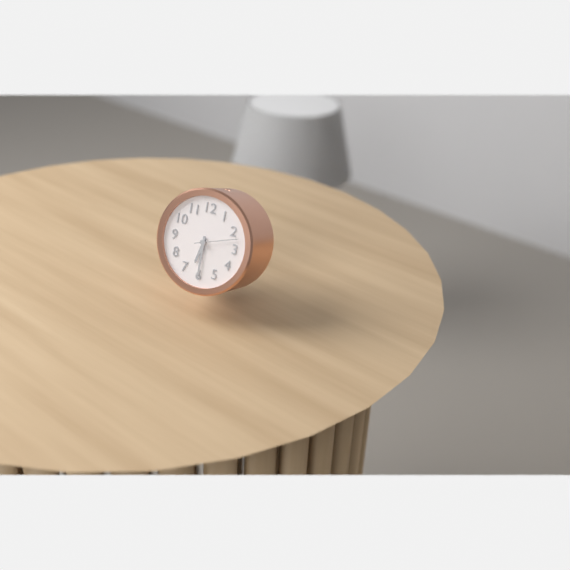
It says 6:30
